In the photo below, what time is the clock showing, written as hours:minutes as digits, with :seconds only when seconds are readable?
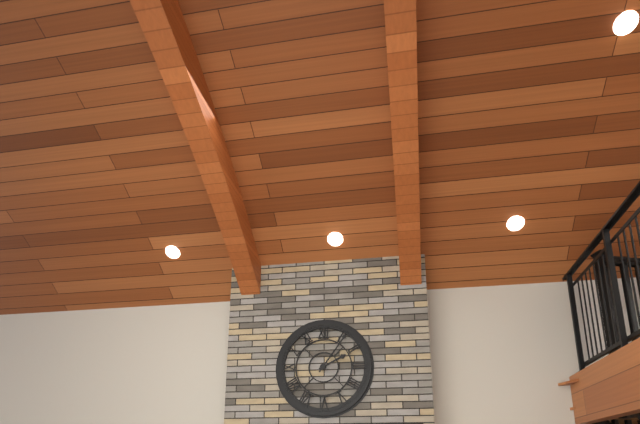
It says 2:06
